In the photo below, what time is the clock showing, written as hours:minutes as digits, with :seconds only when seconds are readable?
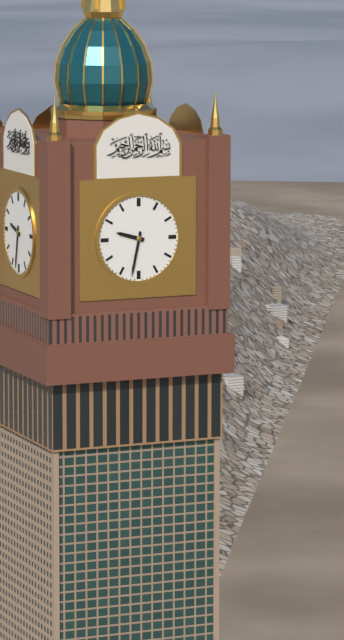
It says 9:32
